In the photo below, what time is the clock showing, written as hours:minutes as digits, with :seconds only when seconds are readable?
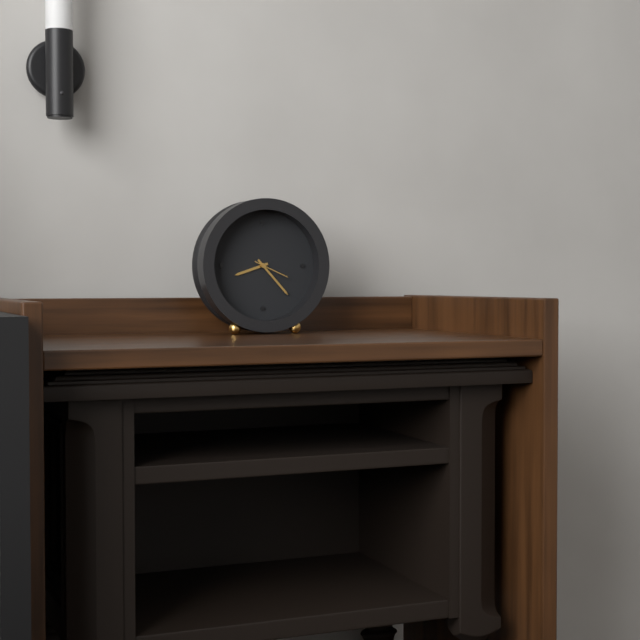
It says 8:23
